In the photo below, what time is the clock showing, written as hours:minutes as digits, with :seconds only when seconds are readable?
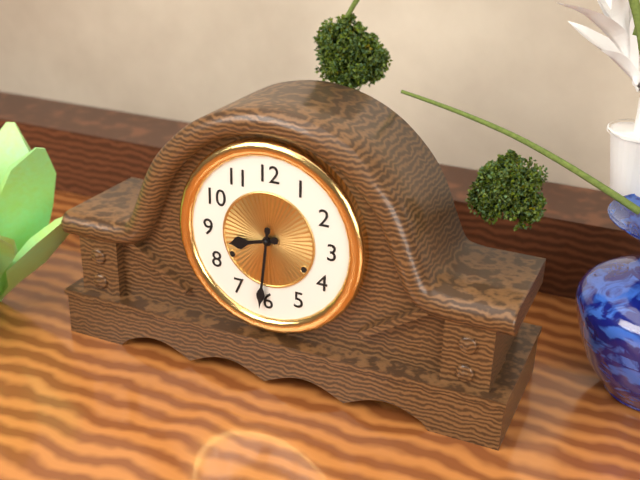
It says 8:31
